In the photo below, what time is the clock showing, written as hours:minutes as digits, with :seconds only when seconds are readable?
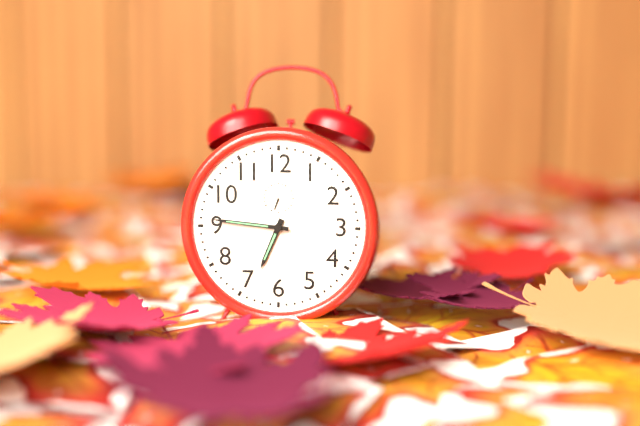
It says 6:46
